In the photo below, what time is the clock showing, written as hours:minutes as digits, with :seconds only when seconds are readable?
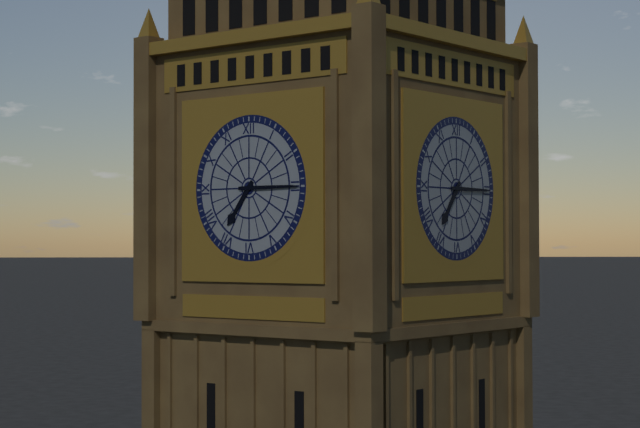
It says 7:15
